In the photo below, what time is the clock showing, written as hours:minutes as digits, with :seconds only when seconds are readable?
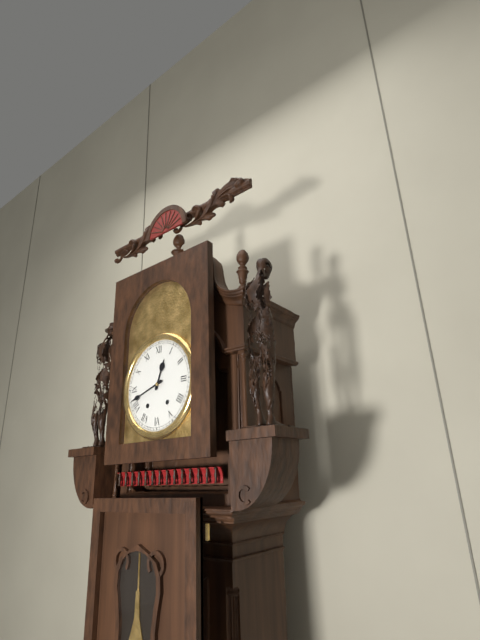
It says 12:42
